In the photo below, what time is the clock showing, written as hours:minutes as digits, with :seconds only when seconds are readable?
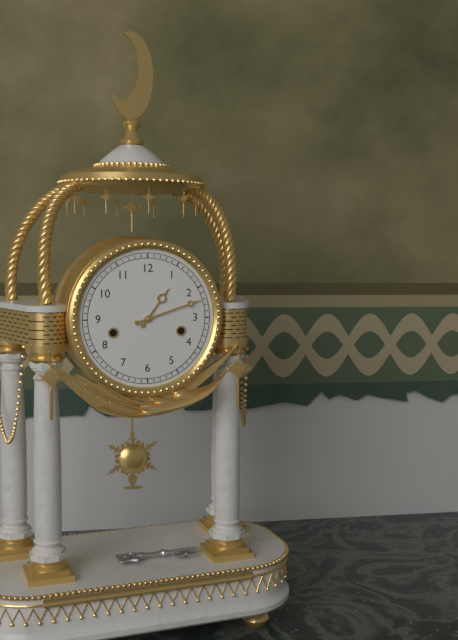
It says 1:12
